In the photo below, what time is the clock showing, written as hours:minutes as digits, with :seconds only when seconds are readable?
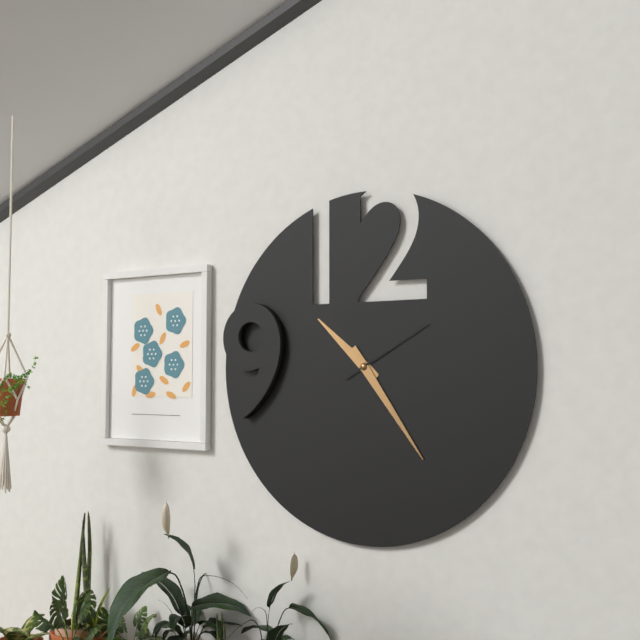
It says 10:24:10
